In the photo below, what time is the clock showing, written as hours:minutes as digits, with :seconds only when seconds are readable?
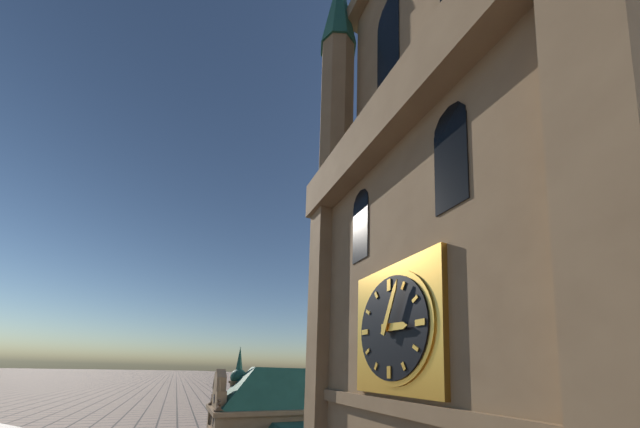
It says 3:04
